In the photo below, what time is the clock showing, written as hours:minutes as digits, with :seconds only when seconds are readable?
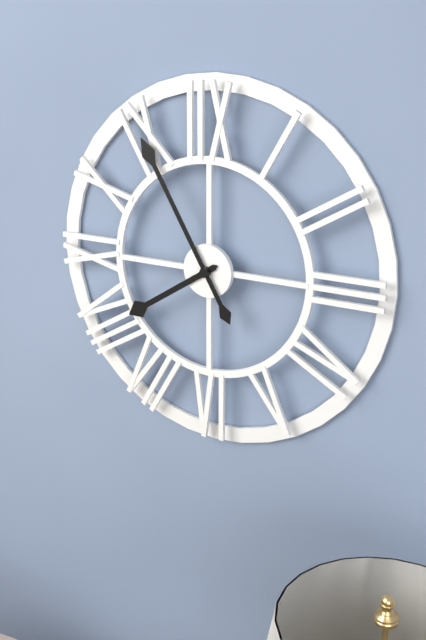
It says 7:55
